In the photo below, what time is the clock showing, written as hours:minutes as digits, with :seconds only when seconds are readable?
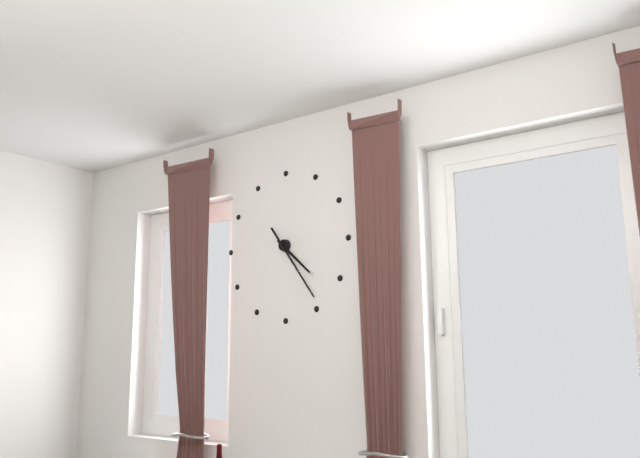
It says 4:24
